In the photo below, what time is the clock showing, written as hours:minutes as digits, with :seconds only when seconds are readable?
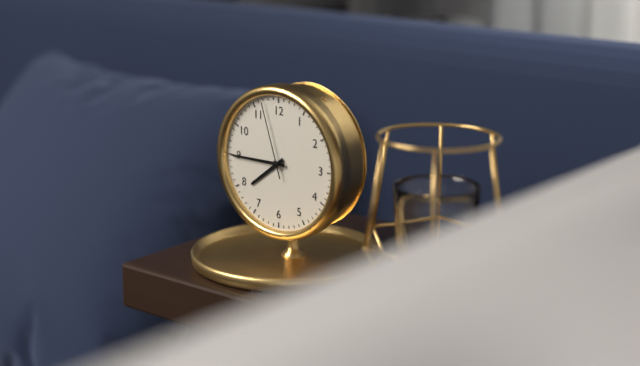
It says 7:45:57
